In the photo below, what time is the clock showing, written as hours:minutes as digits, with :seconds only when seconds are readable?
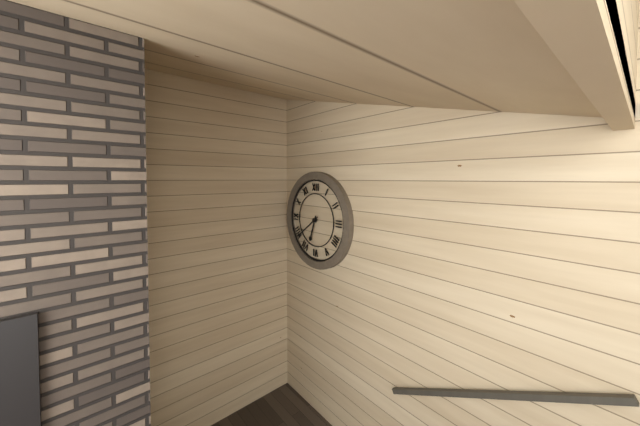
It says 6:39
